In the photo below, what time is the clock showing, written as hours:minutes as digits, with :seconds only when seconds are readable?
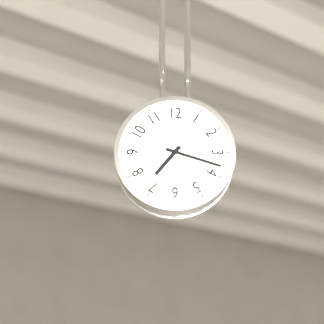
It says 7:18
